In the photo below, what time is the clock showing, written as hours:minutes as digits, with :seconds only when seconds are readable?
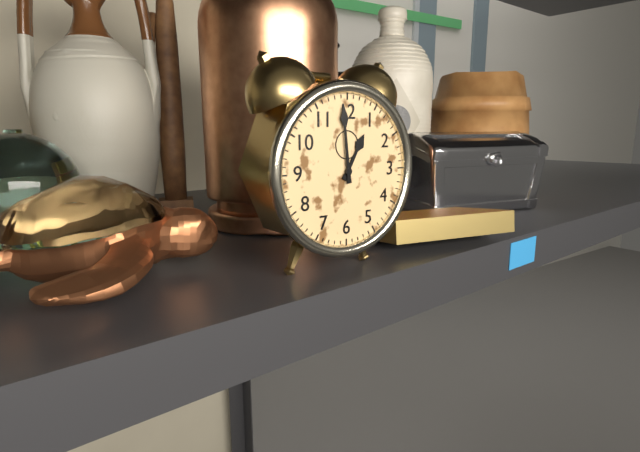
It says 12:59
